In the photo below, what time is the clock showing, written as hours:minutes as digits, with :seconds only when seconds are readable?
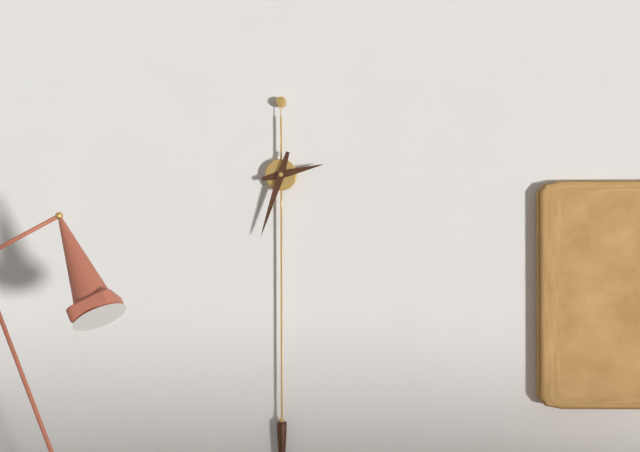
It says 2:33
